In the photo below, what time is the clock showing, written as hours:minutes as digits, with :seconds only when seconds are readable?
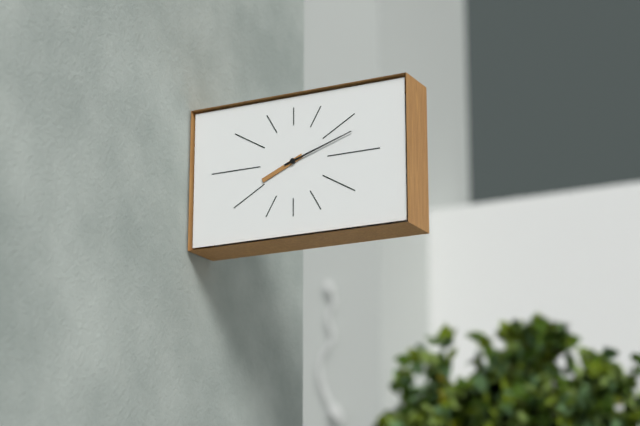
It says 8:12
